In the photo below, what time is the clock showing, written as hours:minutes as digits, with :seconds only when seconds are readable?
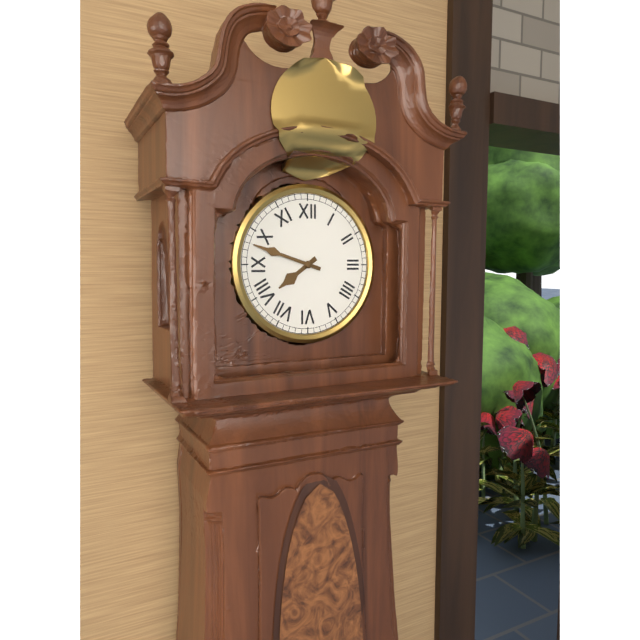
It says 7:48
